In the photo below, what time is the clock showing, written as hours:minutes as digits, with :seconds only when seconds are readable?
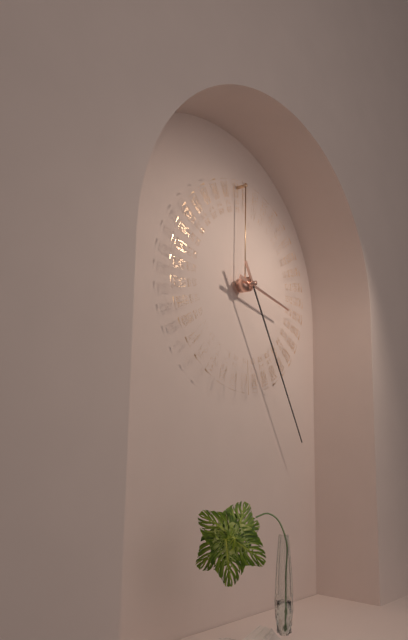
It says 3:25
